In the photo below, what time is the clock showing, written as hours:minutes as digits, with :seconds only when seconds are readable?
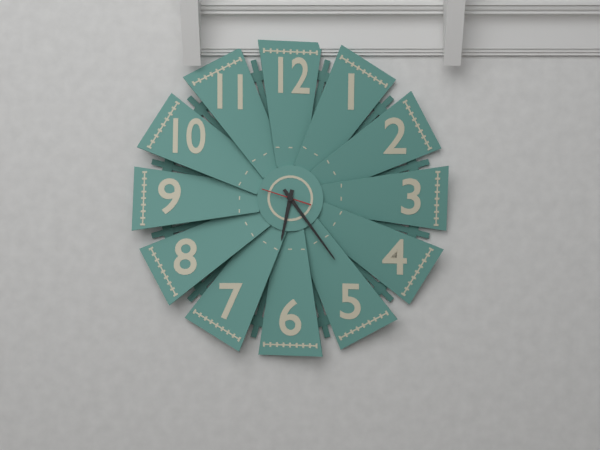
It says 6:24
